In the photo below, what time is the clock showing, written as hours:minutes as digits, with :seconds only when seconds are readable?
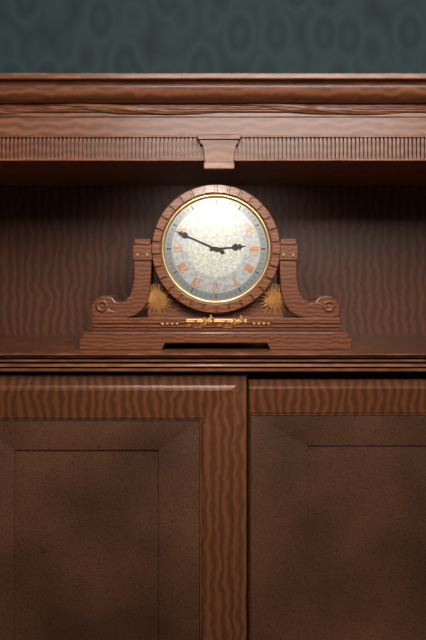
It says 2:49
